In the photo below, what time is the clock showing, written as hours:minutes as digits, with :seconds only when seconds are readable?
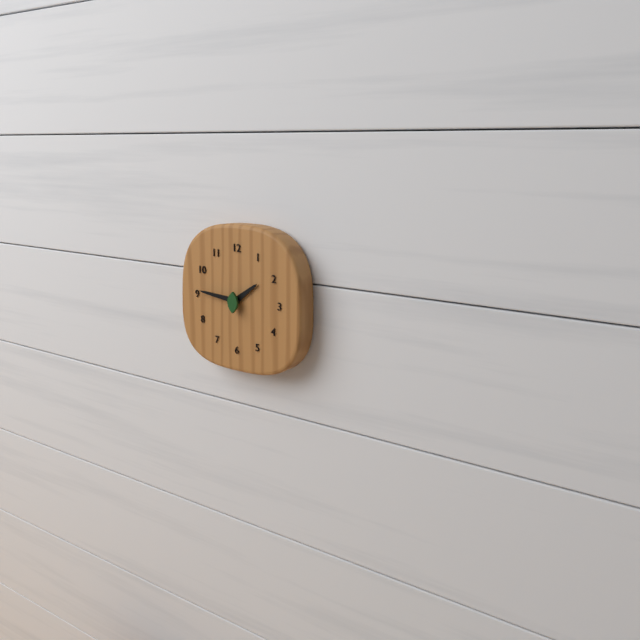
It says 1:46
